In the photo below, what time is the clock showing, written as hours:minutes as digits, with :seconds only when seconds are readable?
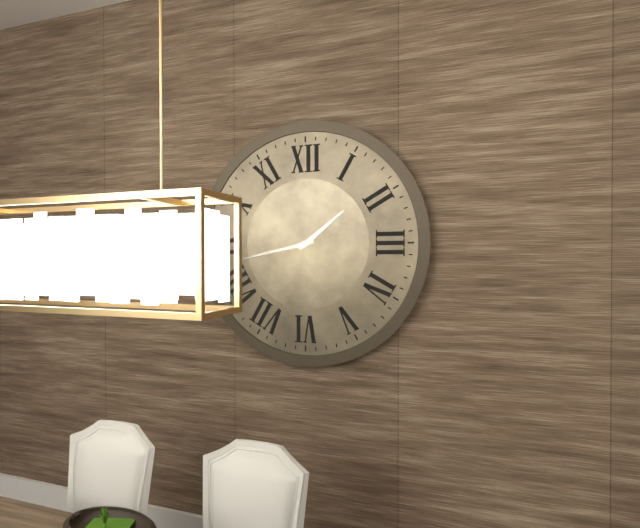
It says 1:43
